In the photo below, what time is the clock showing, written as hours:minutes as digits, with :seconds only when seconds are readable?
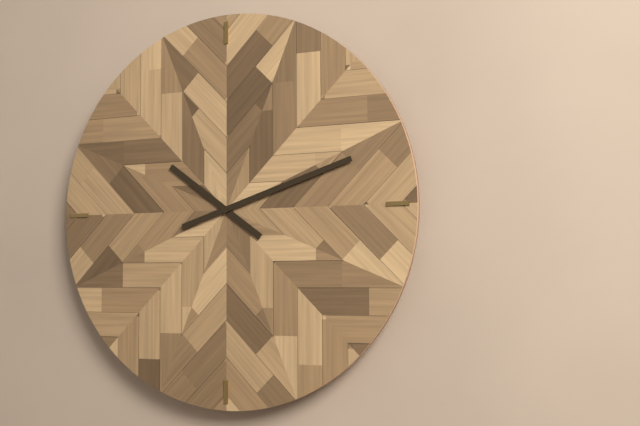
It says 10:12
